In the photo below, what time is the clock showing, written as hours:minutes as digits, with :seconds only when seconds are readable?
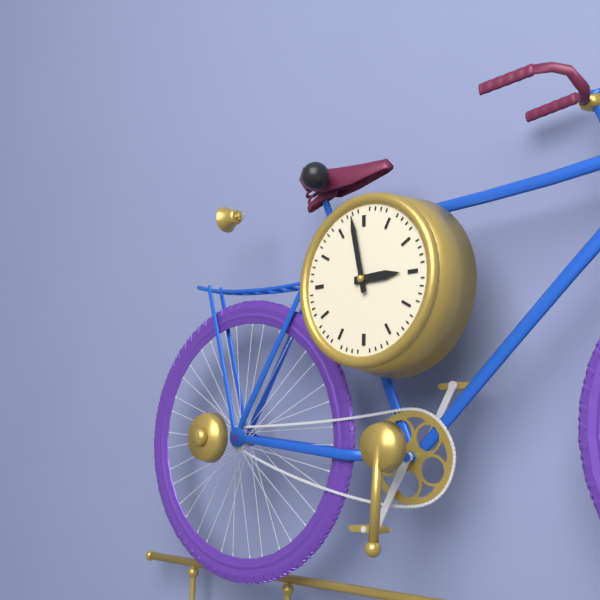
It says 2:58
